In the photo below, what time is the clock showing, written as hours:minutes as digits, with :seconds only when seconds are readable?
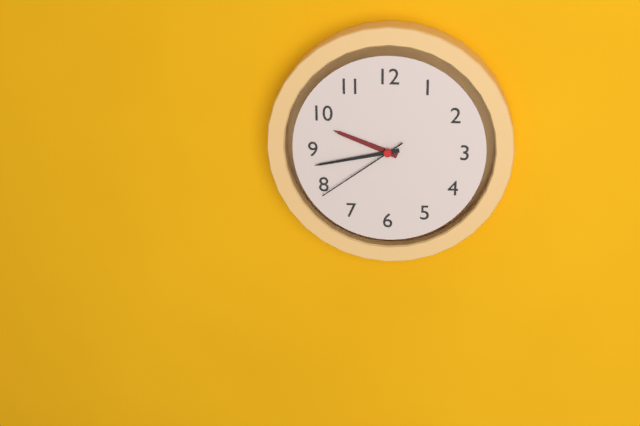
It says 9:43:39
